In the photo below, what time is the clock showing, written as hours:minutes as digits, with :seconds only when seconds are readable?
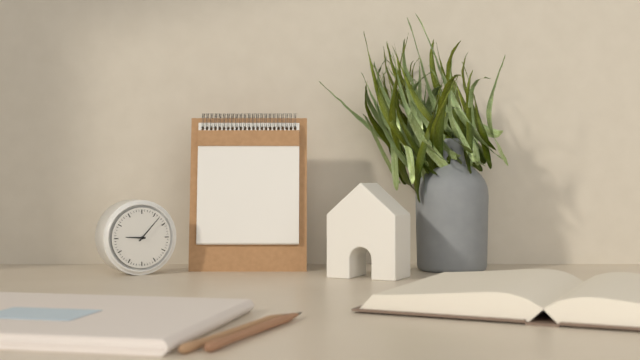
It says 9:07
